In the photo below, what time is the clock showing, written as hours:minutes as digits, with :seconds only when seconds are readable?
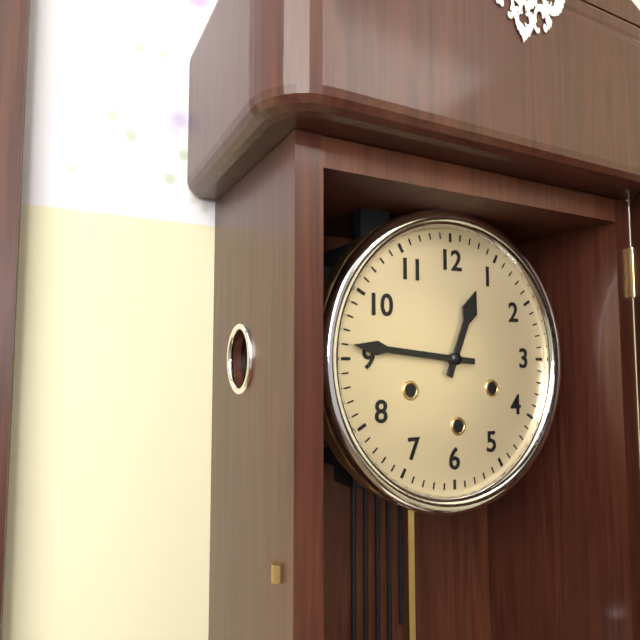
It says 12:46
